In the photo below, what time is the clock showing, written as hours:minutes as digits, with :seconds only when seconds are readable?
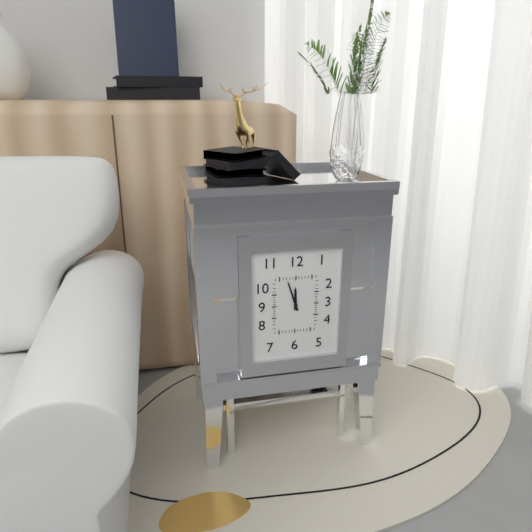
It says 11:57
